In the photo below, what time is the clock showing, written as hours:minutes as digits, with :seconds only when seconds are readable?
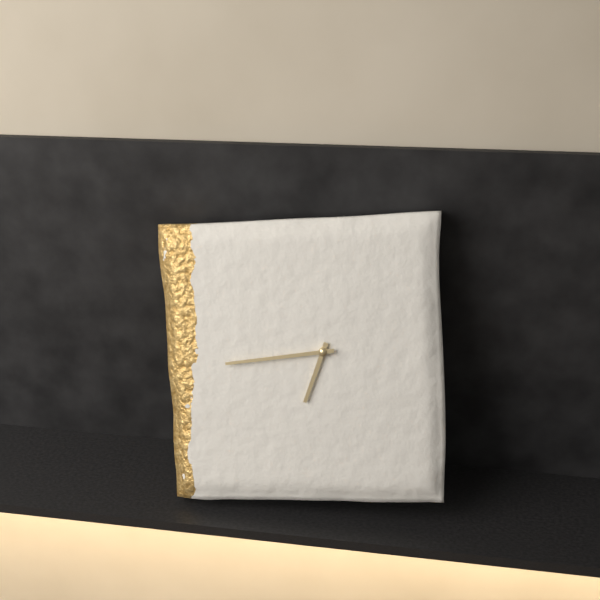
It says 6:44
